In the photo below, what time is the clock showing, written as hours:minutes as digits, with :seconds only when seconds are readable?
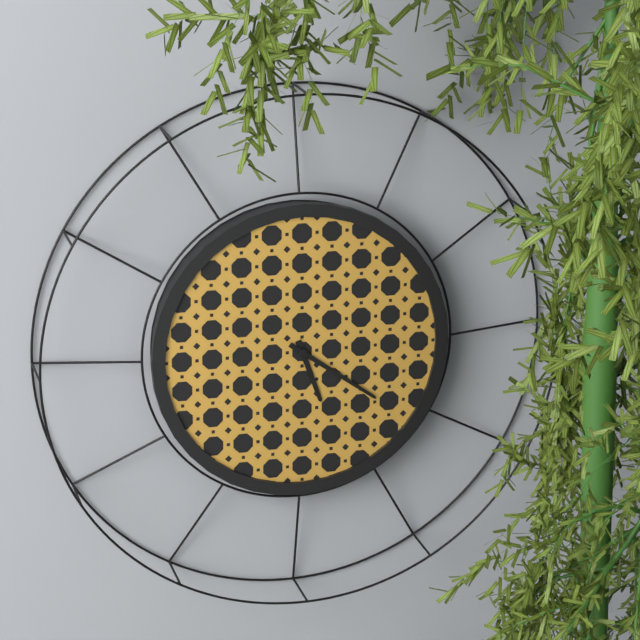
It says 5:21
